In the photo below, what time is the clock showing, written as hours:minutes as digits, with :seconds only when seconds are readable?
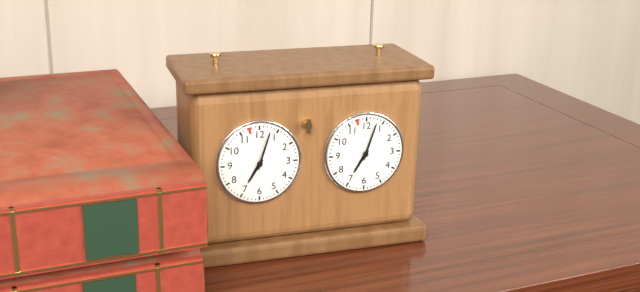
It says 7:03
